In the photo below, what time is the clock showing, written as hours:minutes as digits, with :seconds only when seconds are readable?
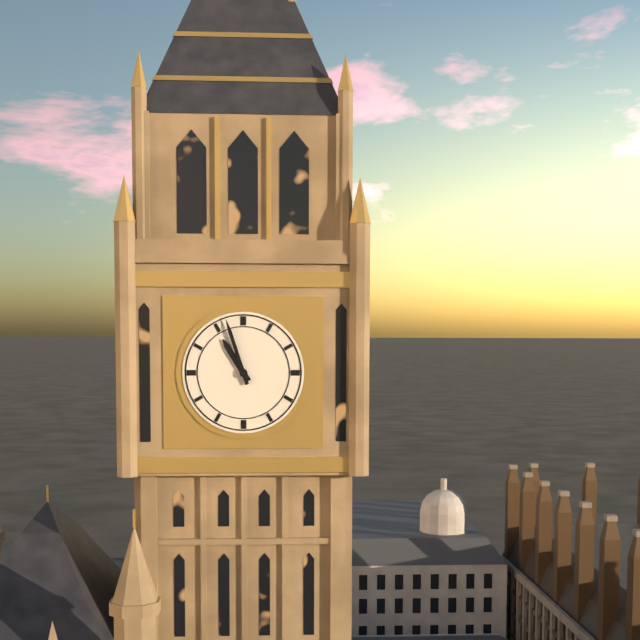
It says 10:57
